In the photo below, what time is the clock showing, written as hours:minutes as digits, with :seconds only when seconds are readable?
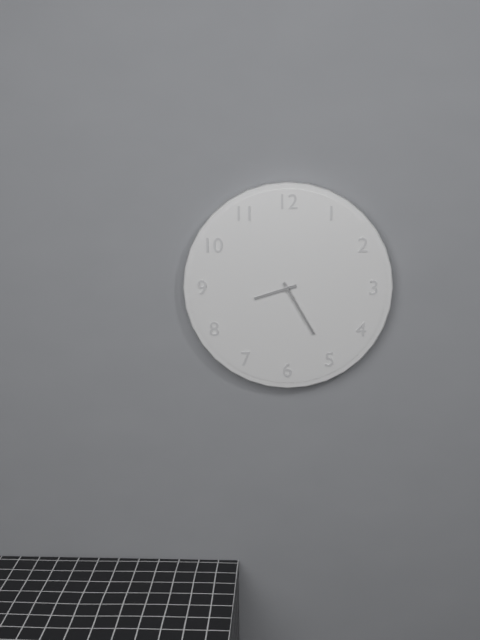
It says 8:25
